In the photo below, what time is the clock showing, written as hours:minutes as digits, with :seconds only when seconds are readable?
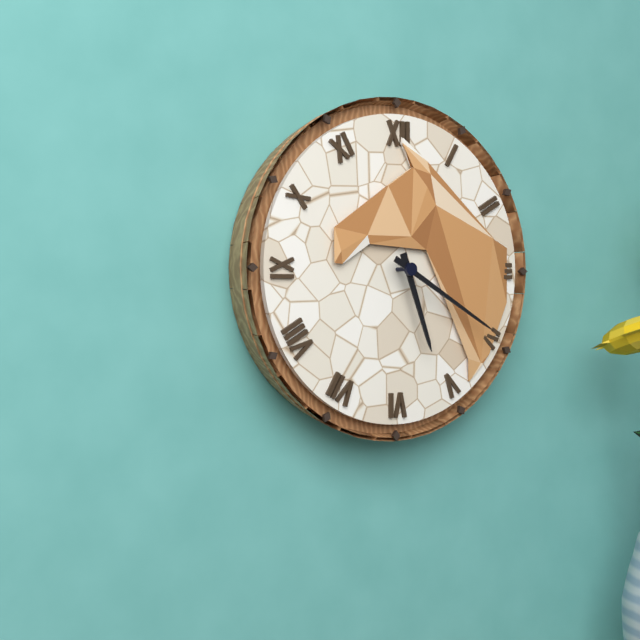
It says 5:20
